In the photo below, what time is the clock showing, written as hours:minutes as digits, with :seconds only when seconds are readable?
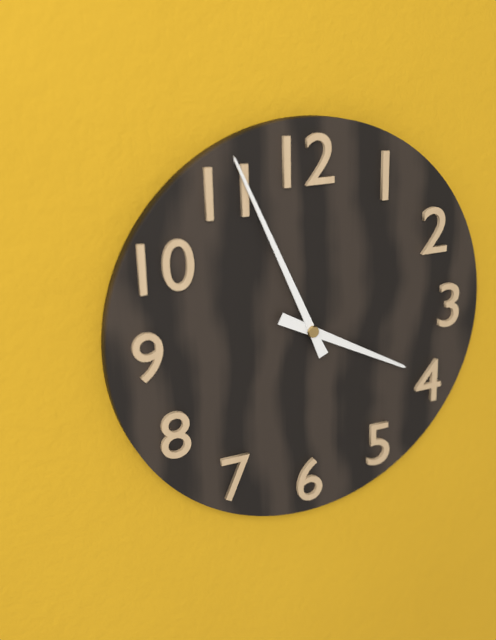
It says 3:56
